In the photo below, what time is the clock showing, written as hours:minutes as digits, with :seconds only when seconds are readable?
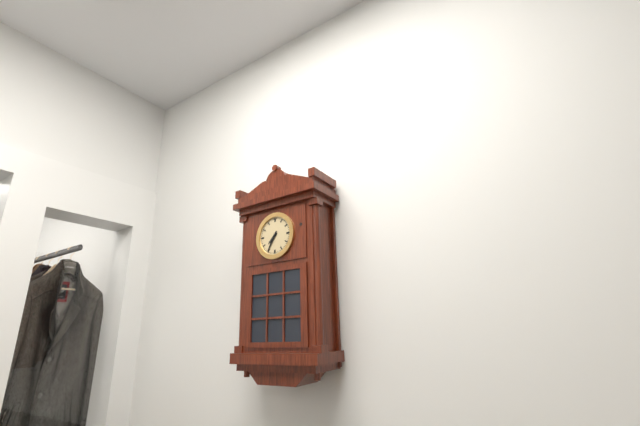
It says 7:35
